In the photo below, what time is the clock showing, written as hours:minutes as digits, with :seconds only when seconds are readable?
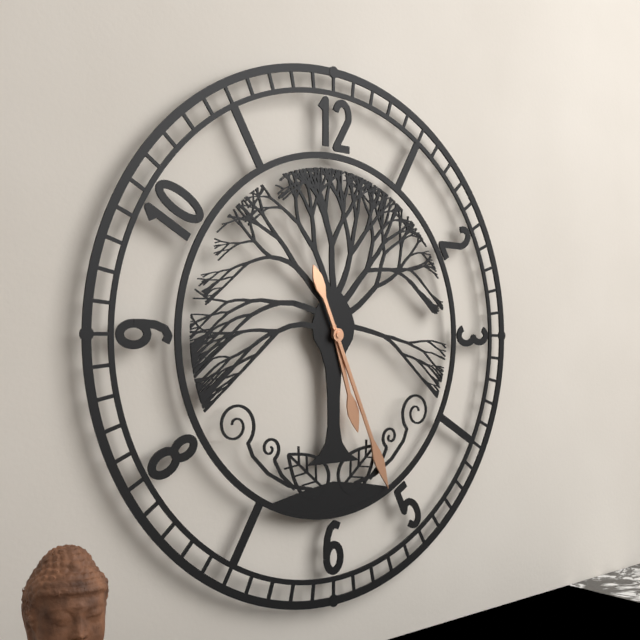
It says 5:26
